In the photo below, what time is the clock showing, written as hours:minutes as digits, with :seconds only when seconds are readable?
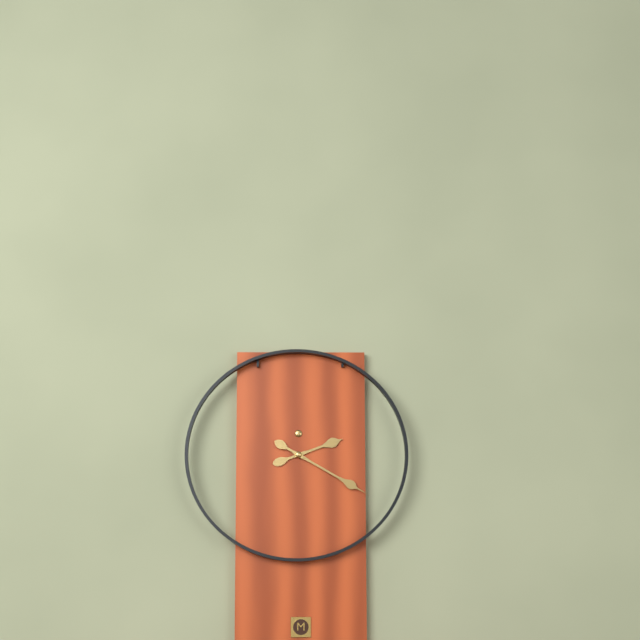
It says 2:20
